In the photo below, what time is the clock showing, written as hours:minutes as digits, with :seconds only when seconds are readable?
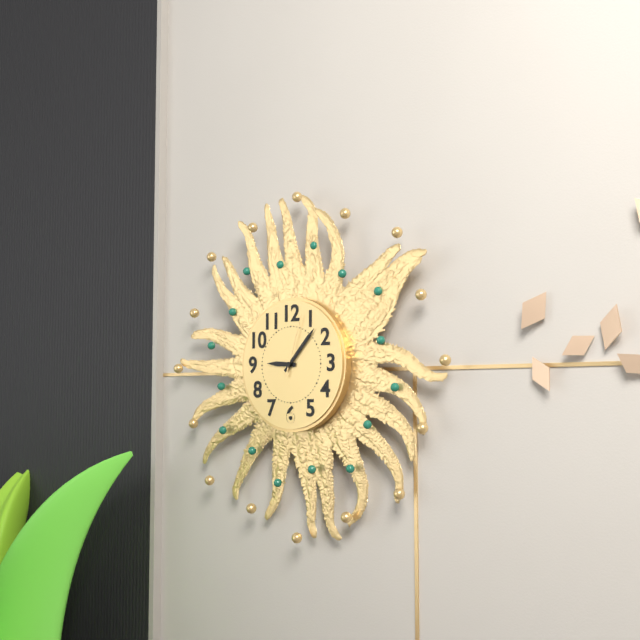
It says 9:07:03
